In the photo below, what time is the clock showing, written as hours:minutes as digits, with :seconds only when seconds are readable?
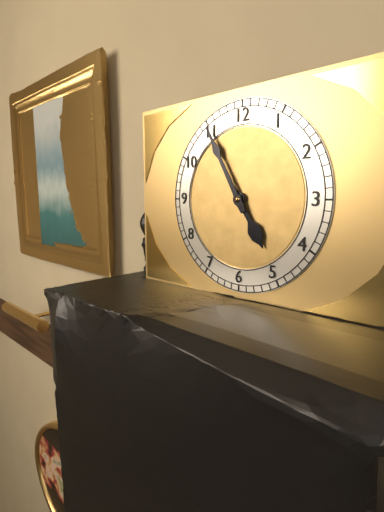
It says 4:55
